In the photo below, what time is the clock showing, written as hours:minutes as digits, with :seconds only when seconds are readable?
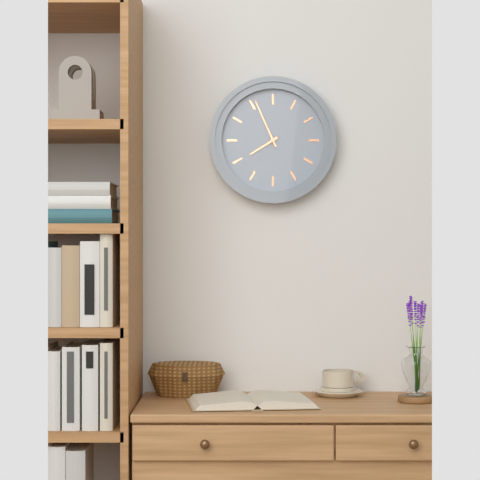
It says 7:56
